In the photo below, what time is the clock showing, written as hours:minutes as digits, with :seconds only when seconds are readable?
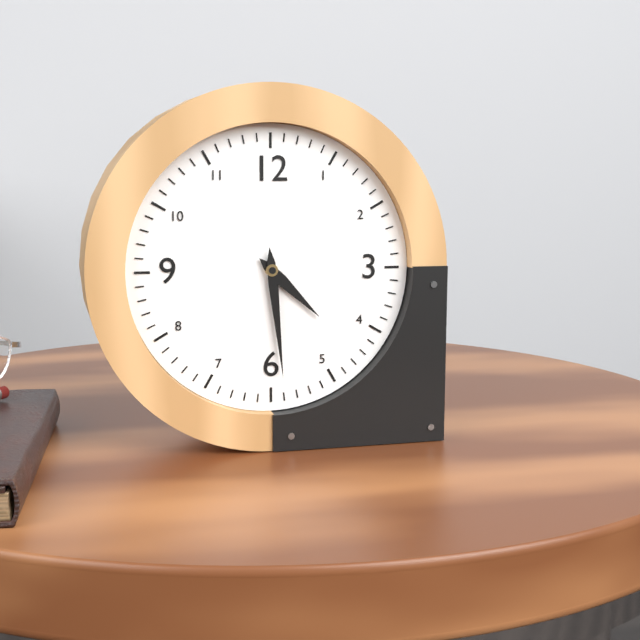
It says 4:29
